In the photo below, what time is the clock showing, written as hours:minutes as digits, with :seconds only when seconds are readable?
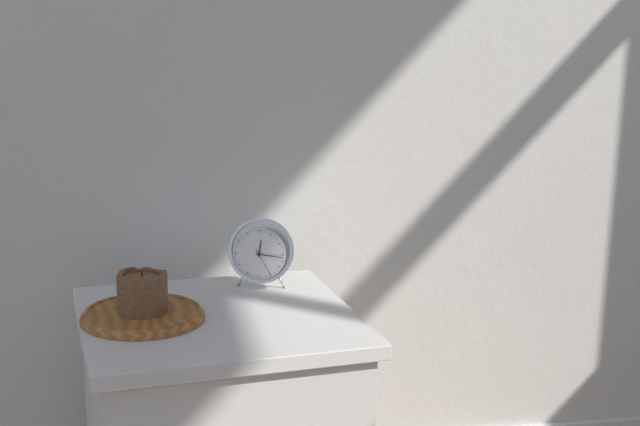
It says 12:16
